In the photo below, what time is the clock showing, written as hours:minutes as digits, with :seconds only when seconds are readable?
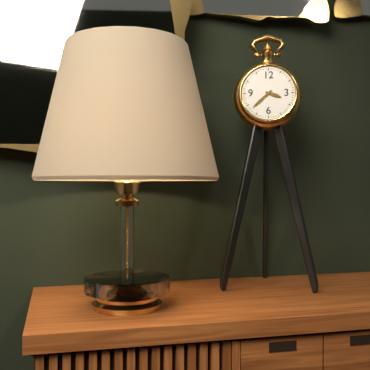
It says 3:38
